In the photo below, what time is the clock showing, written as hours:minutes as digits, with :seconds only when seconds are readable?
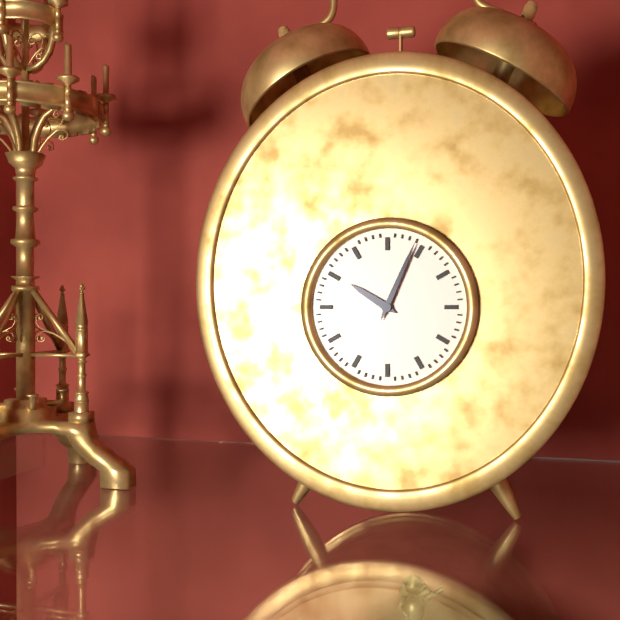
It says 10:04
